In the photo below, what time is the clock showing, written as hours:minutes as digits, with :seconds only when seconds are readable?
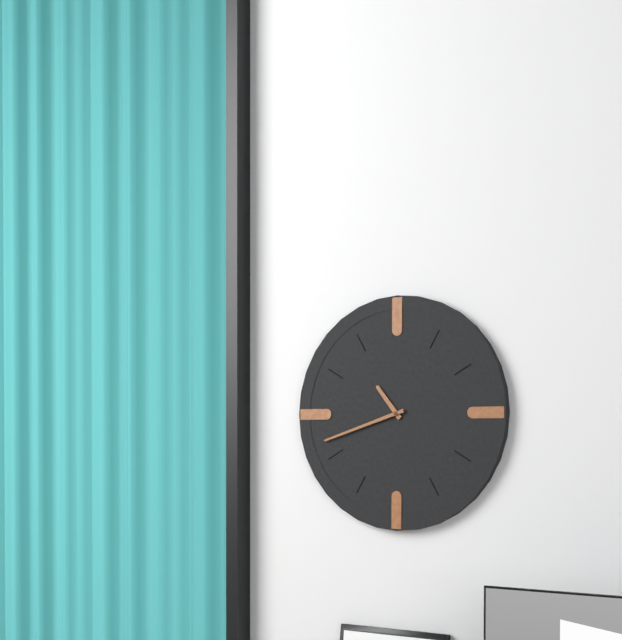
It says 10:42
